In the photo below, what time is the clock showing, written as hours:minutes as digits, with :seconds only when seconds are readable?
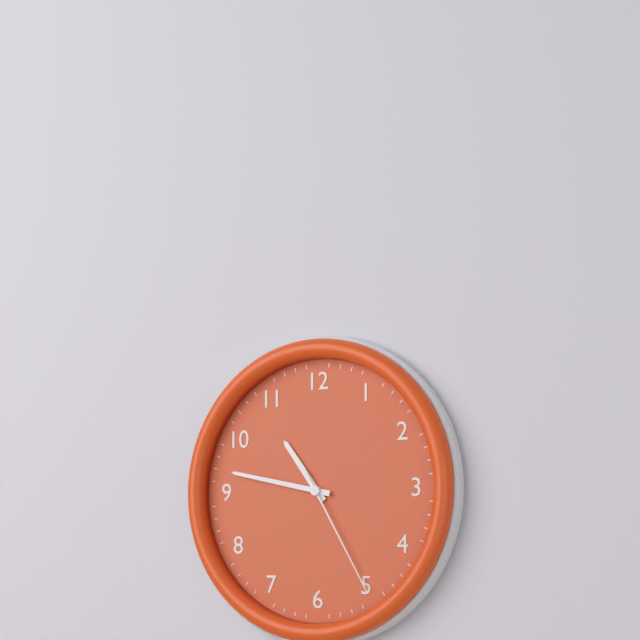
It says 10:47:25
